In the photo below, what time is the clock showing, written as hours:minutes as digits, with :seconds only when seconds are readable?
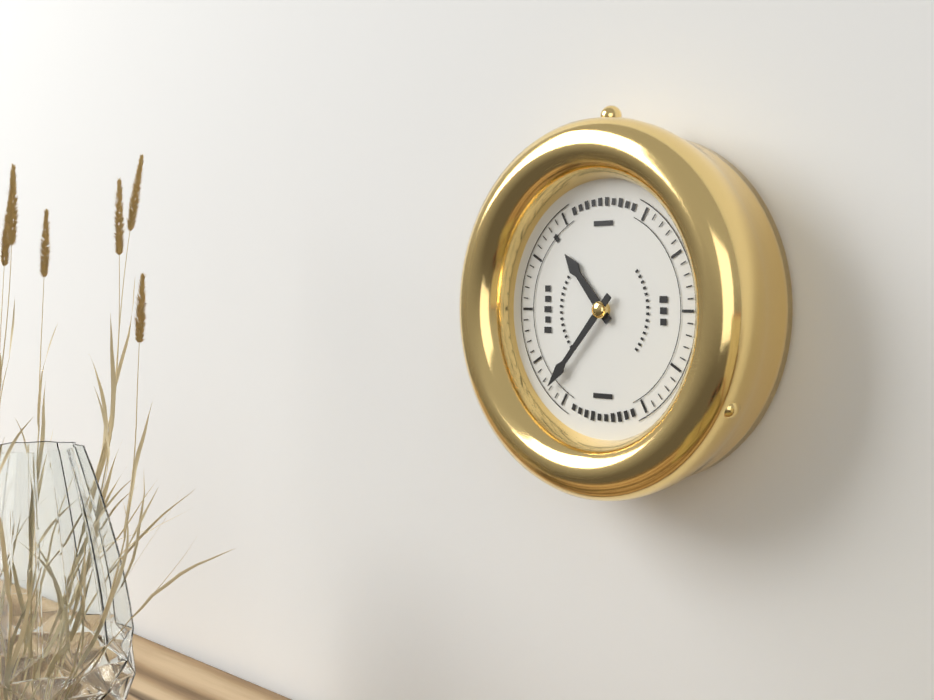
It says 10:37
